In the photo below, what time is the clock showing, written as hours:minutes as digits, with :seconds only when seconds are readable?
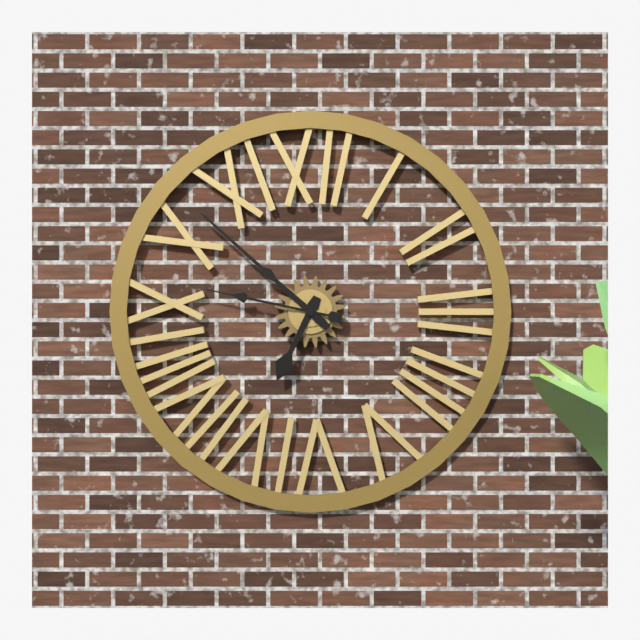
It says 6:52:47
